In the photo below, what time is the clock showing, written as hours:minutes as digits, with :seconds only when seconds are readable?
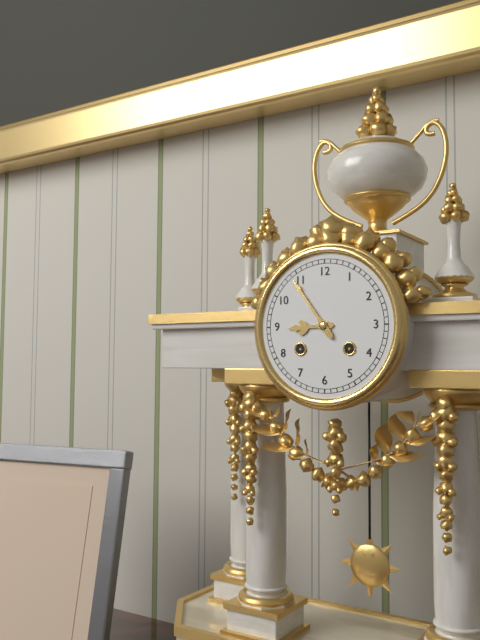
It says 8:54
